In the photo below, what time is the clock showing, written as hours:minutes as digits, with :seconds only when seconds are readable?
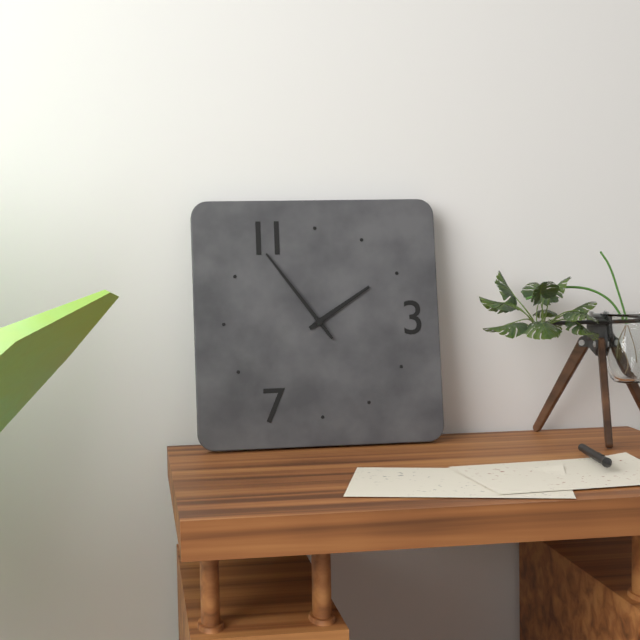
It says 1:54
